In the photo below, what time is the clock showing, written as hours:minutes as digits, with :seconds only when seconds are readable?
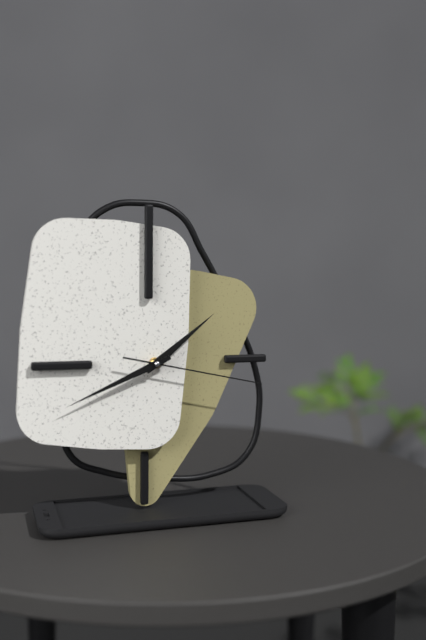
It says 1:41:17
